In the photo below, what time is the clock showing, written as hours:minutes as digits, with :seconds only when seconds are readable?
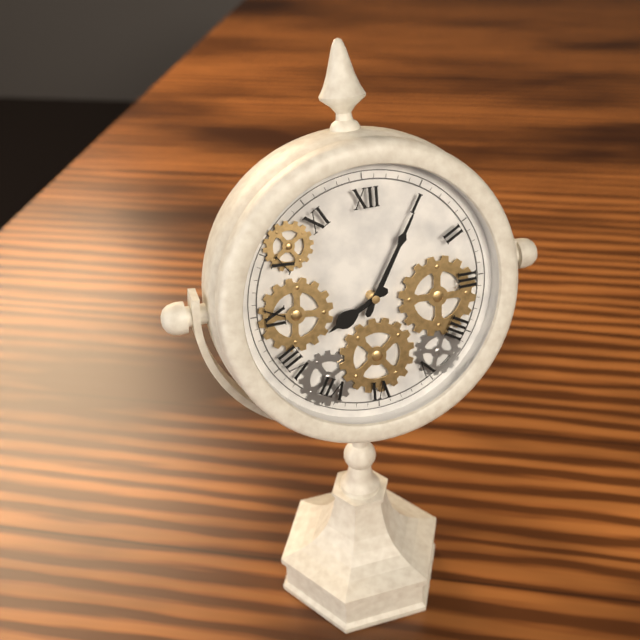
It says 8:05
